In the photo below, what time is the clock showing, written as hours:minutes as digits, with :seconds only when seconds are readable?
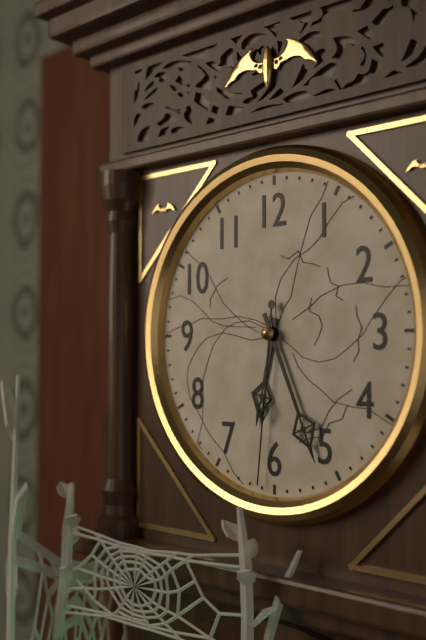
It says 6:26:31
